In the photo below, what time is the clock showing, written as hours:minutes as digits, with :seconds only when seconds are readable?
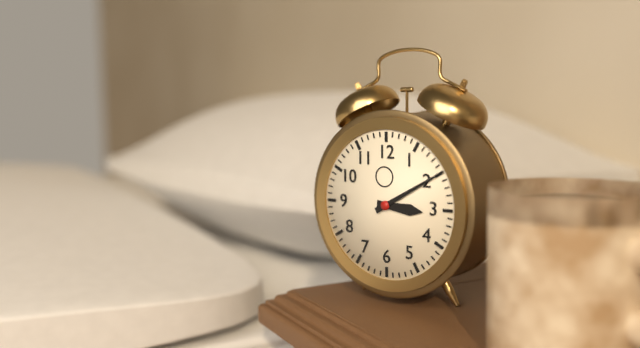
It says 3:10
